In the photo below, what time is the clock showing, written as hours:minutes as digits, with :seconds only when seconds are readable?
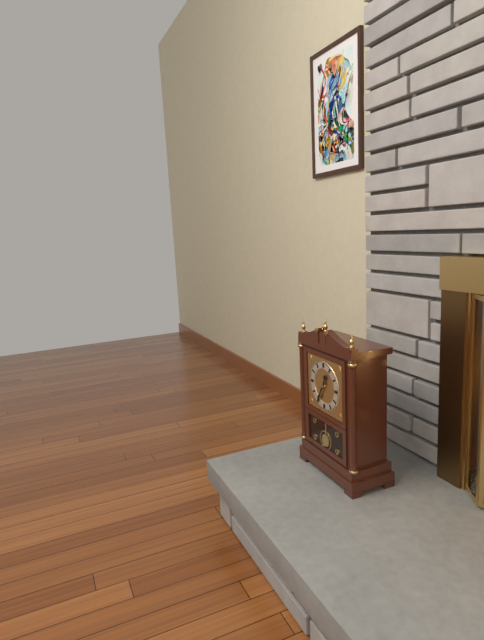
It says 12:35
